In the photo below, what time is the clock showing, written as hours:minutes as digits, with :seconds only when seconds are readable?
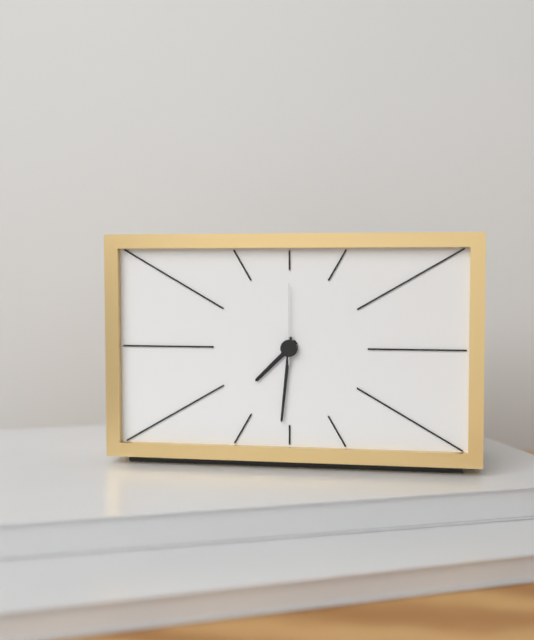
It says 7:31:00
